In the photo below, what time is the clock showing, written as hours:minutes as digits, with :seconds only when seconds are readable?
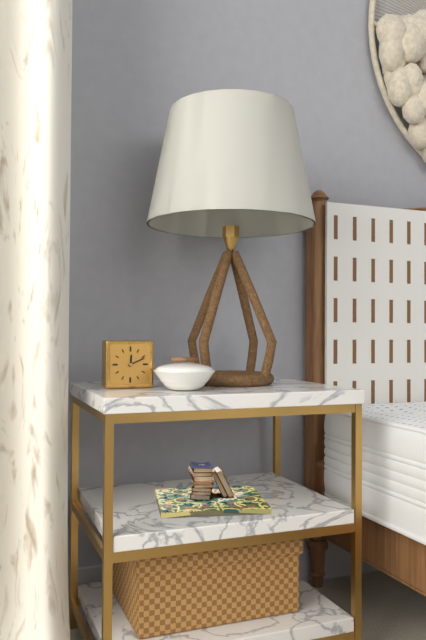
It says 12:11
